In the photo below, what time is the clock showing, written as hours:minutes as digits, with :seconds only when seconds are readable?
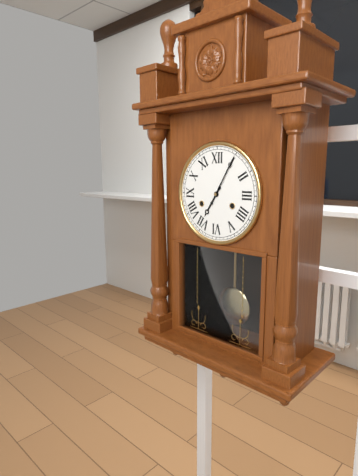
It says 7:05
